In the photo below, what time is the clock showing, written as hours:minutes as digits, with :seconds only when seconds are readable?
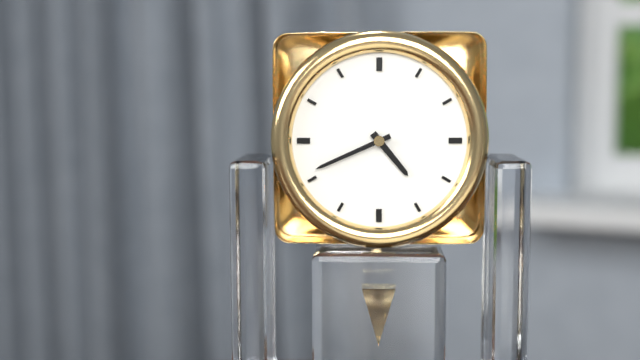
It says 4:41
